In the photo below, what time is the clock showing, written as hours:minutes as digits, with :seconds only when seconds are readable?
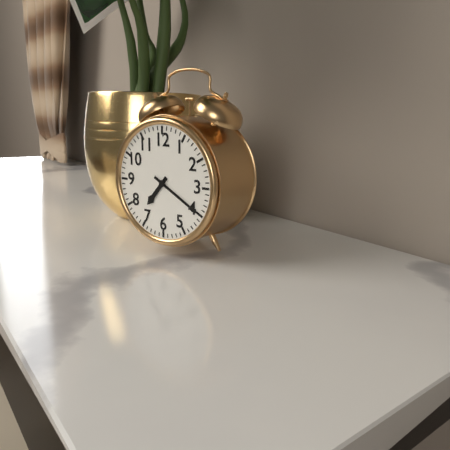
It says 7:20
